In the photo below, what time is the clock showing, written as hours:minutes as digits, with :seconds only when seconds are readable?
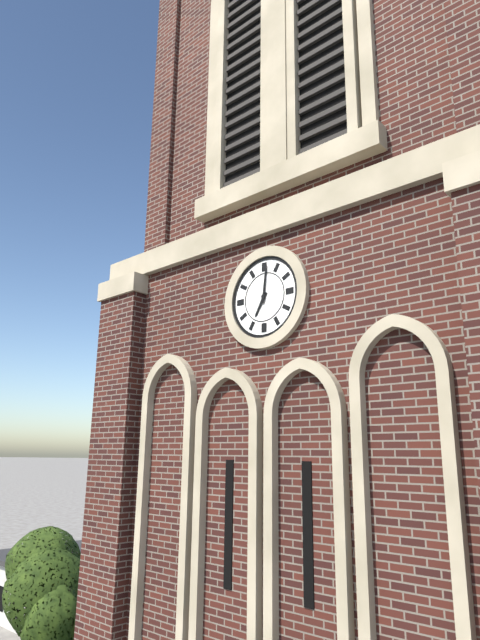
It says 7:01
